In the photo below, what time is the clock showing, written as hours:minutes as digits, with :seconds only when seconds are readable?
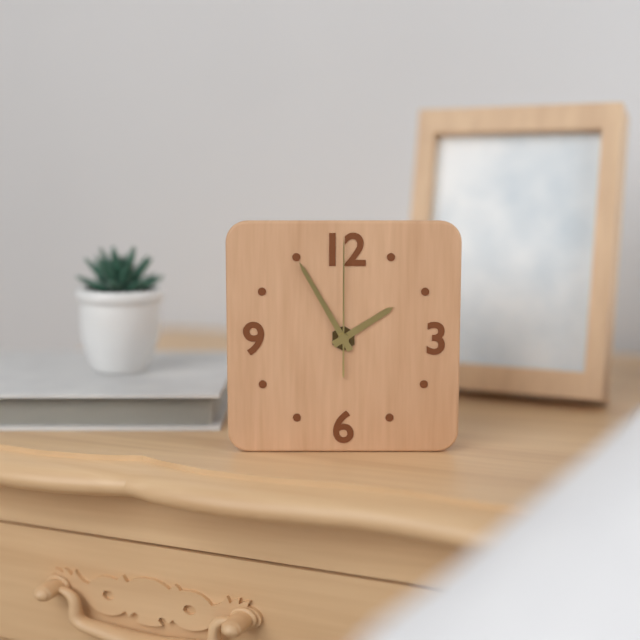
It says 1:55:00
